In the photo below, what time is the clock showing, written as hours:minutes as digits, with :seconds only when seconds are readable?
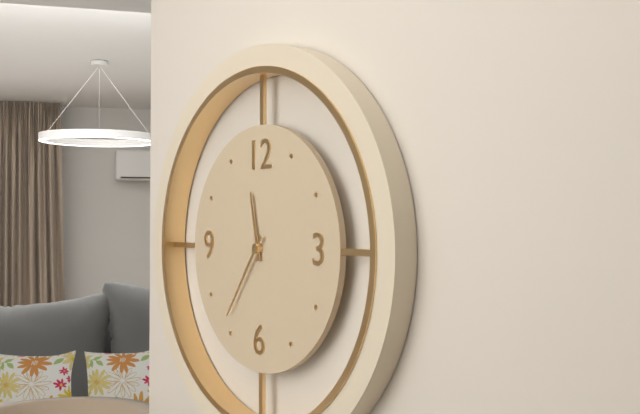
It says 11:36
